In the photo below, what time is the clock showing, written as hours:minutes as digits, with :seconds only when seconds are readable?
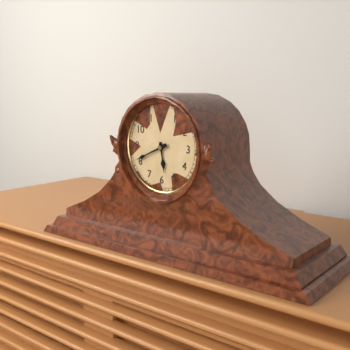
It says 5:41
